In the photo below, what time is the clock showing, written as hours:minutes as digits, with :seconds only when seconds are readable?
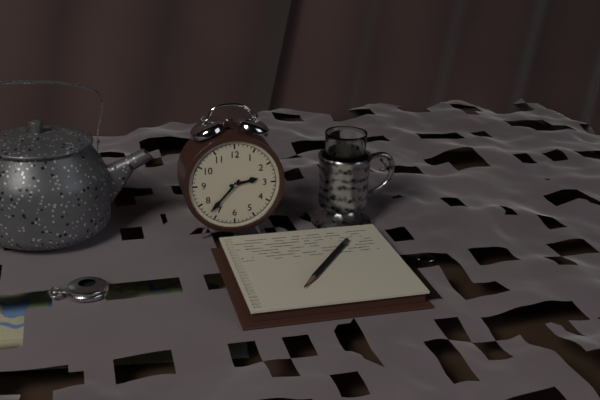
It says 2:37
